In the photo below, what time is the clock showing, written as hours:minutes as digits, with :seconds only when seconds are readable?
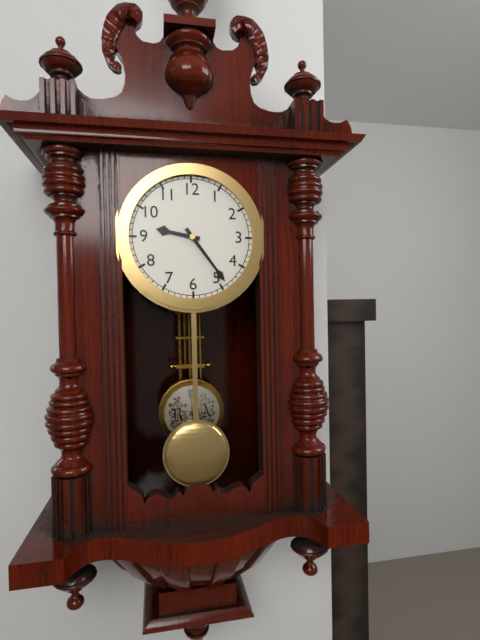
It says 9:24
